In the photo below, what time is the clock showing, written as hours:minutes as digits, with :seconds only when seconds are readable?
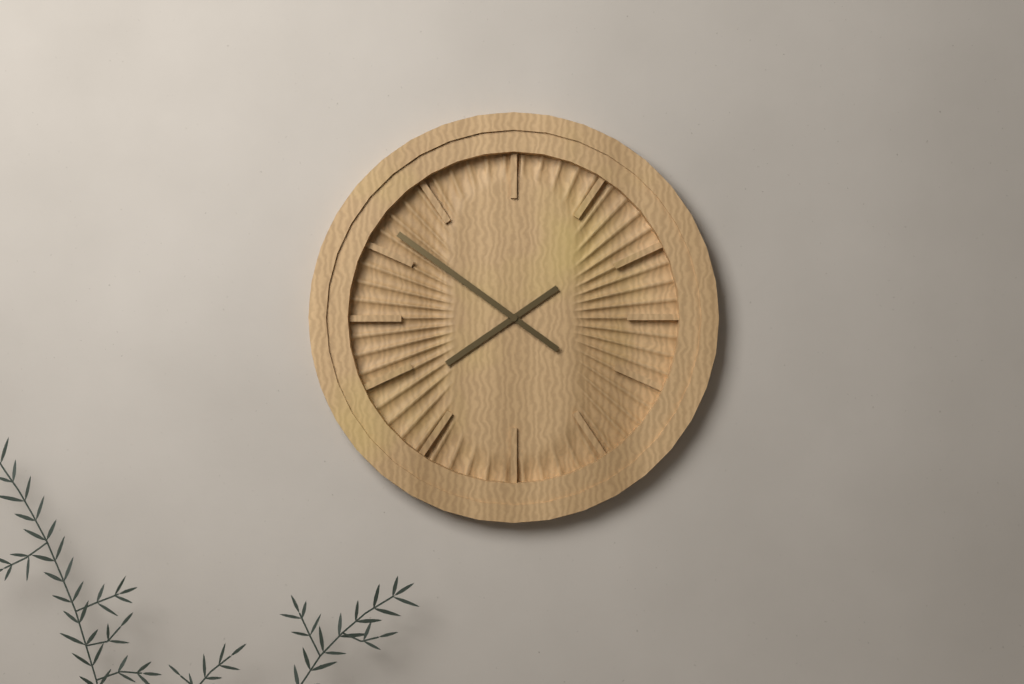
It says 7:51
